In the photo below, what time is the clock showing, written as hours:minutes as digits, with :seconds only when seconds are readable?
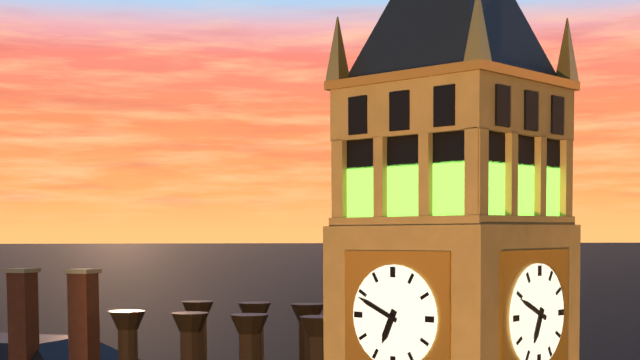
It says 6:49
